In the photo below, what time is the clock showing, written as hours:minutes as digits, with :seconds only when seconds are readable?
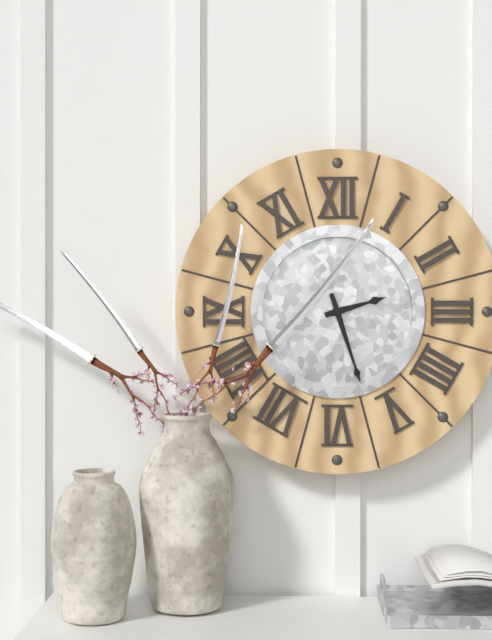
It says 2:27
